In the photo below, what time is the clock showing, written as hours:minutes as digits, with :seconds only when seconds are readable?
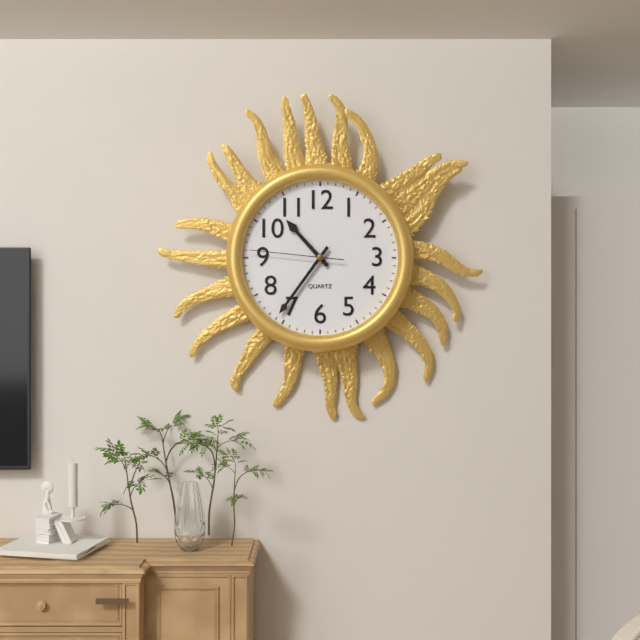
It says 10:36:46
